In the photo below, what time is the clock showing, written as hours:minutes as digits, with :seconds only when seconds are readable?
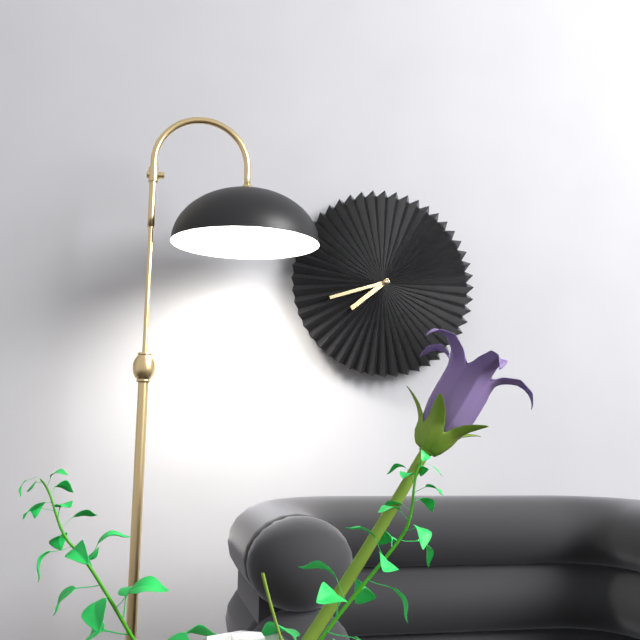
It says 7:42
